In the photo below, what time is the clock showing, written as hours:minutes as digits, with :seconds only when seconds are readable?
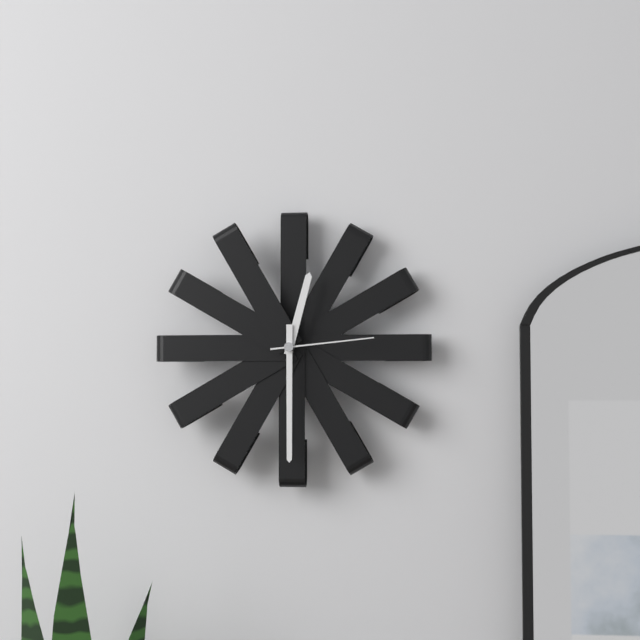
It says 12:30:14
